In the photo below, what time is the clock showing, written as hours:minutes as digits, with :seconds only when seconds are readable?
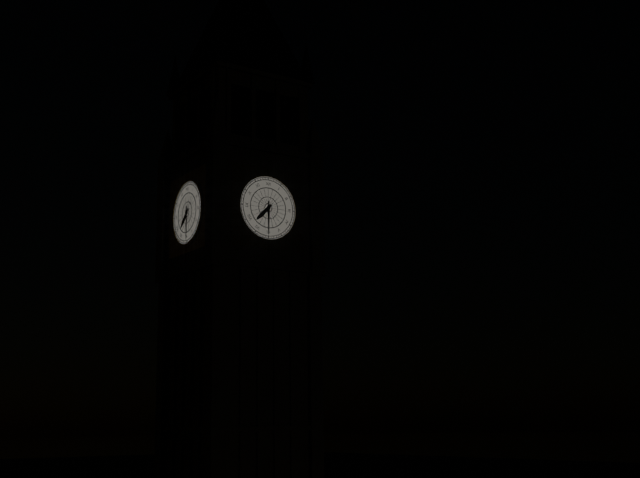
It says 7:30
